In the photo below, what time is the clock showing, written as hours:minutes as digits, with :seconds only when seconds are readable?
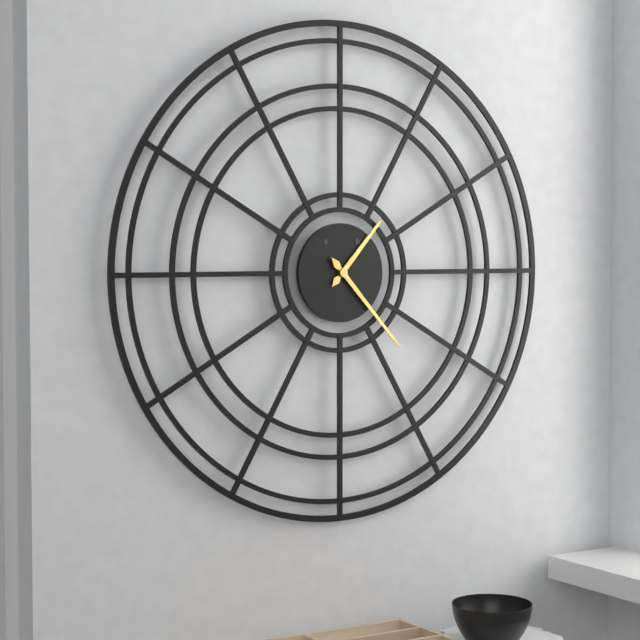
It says 1:23
